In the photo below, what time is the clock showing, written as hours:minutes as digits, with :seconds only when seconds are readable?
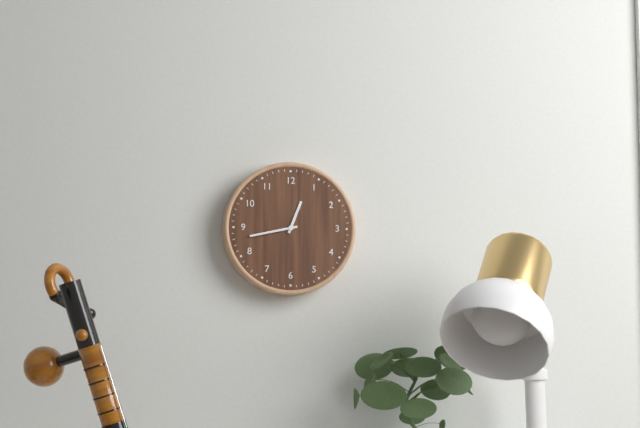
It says 12:43
